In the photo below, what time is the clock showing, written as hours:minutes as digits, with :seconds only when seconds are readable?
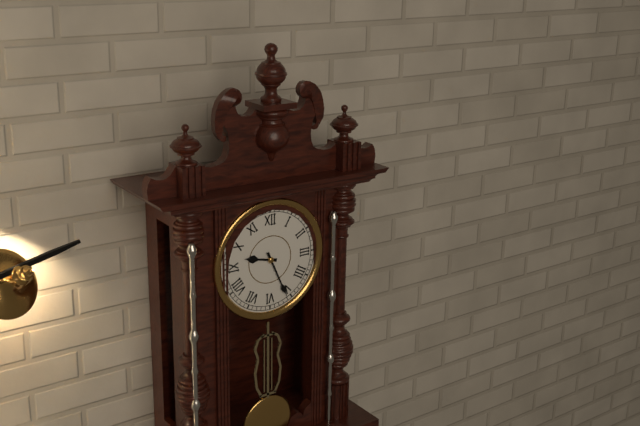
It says 9:26
